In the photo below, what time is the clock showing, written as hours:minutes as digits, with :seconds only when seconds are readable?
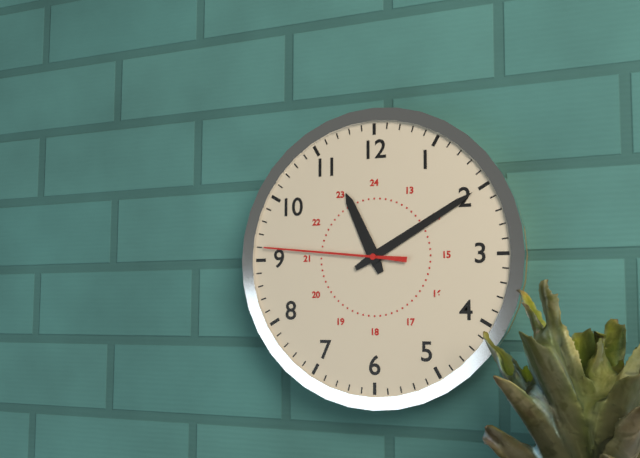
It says 11:10:46
